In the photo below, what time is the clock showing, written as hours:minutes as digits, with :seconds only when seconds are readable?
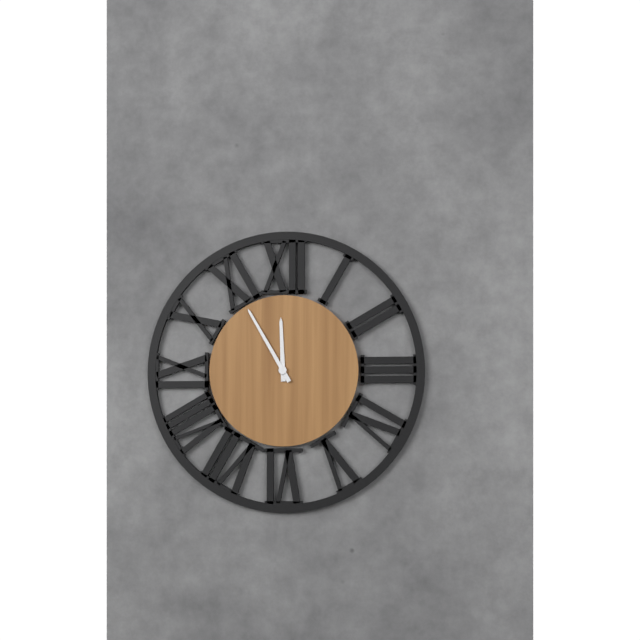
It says 11:55
